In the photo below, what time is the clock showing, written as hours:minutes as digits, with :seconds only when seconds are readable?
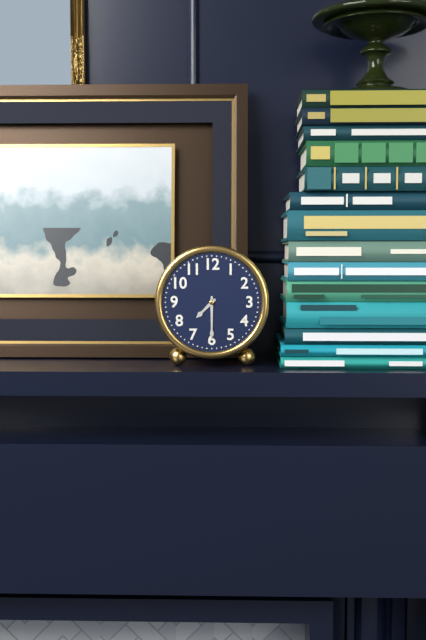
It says 7:30
